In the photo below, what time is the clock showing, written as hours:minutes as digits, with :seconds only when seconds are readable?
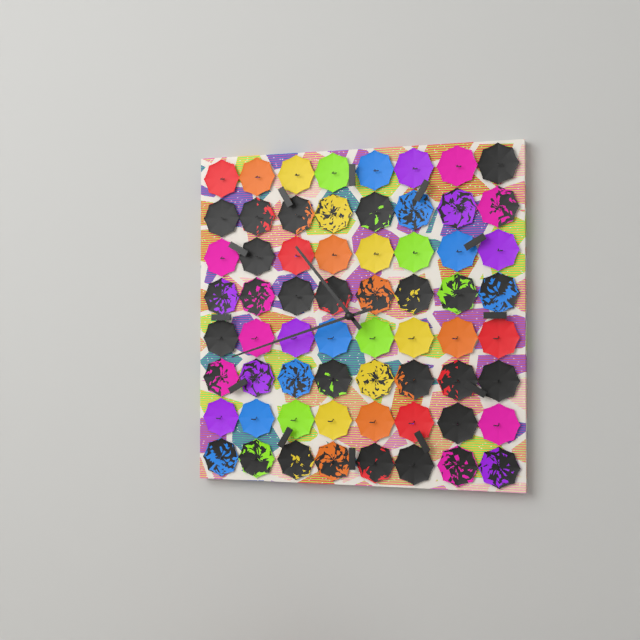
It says 10:42
